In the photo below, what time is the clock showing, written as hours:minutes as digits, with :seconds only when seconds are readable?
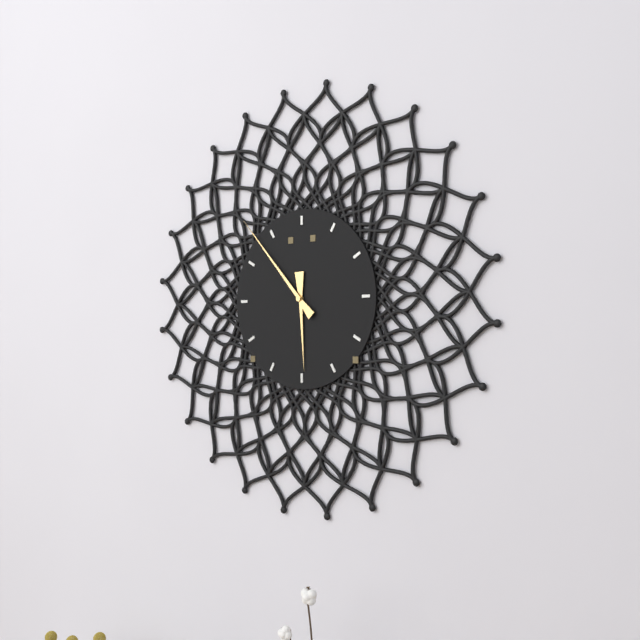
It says 5:53
